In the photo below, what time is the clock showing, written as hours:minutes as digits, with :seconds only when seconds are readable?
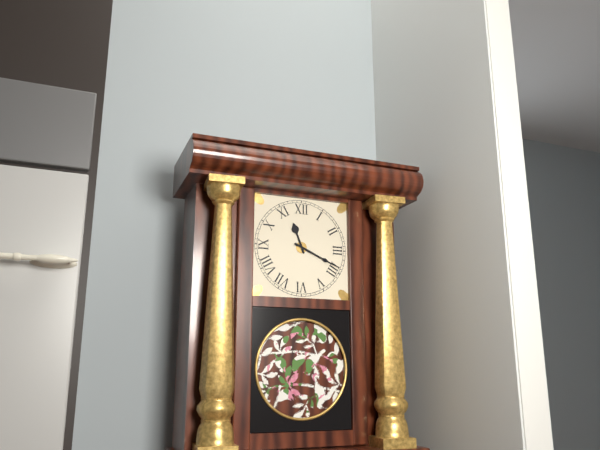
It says 11:19
